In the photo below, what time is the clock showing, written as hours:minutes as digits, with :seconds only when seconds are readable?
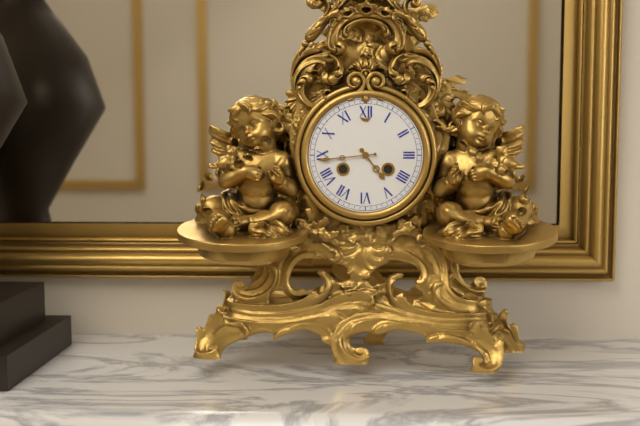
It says 4:44
